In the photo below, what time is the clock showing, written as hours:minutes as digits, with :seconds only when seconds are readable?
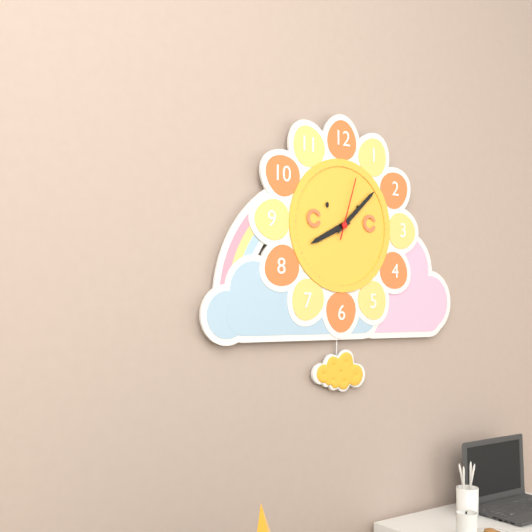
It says 8:08:03
